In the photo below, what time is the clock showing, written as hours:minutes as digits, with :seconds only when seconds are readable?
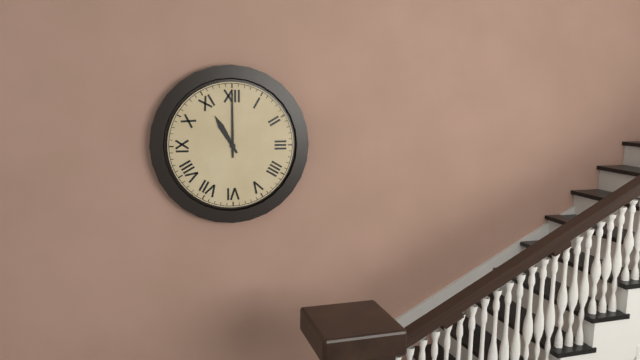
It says 11:00
